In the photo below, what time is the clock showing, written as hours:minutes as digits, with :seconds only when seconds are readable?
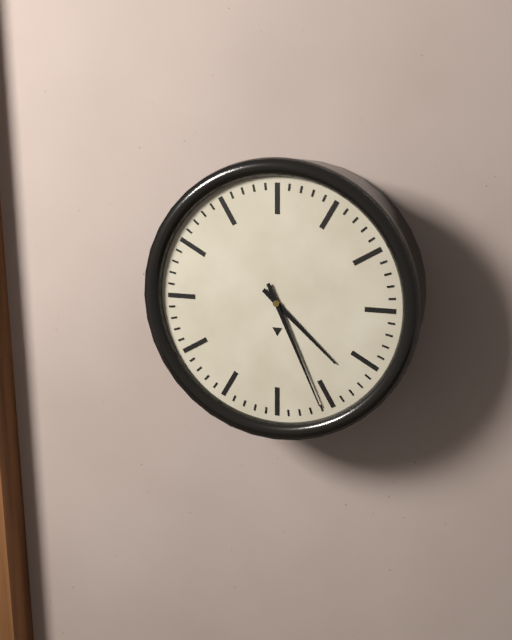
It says 4:26
